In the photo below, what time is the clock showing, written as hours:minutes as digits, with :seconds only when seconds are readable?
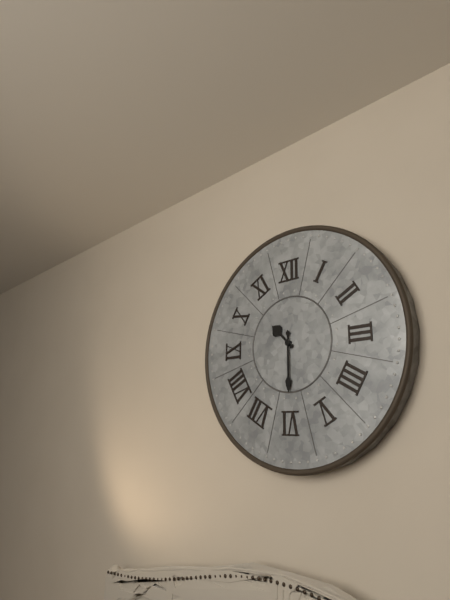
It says 10:30
